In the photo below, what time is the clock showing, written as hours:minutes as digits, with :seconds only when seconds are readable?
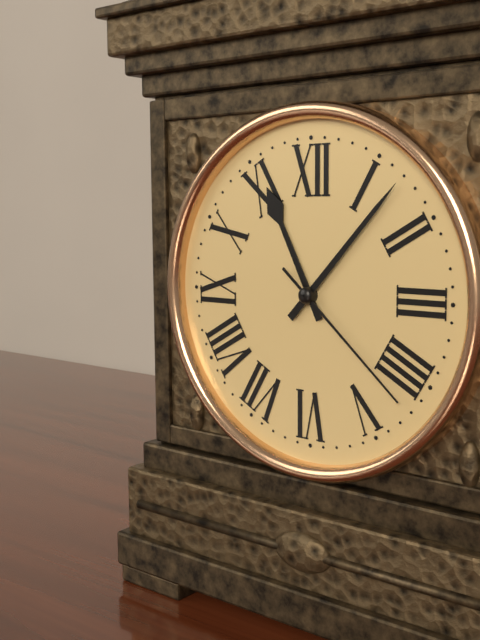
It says 11:07:22
